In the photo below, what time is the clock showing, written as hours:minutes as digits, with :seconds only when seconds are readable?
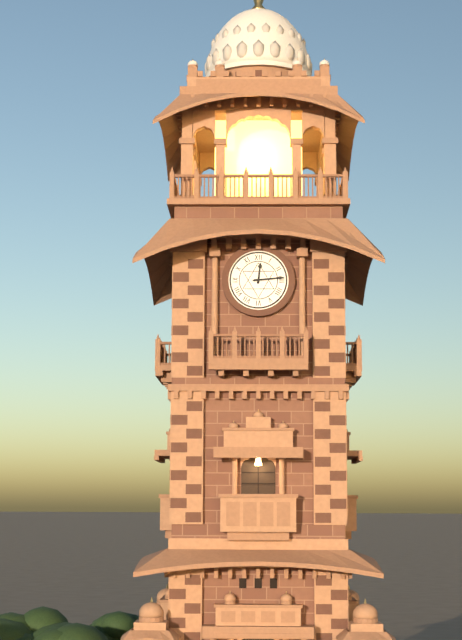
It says 12:14
